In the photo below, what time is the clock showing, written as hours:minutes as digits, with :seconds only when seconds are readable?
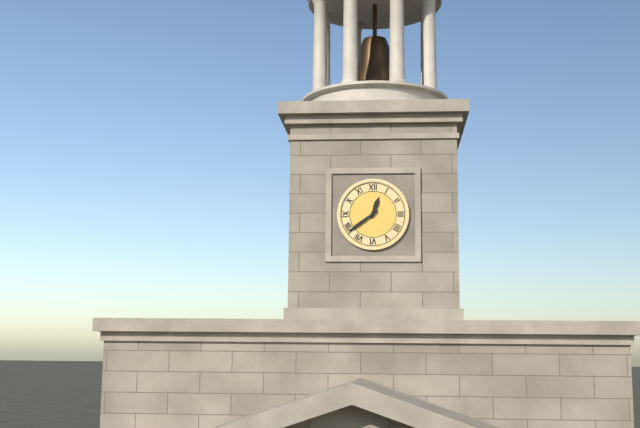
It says 12:39
